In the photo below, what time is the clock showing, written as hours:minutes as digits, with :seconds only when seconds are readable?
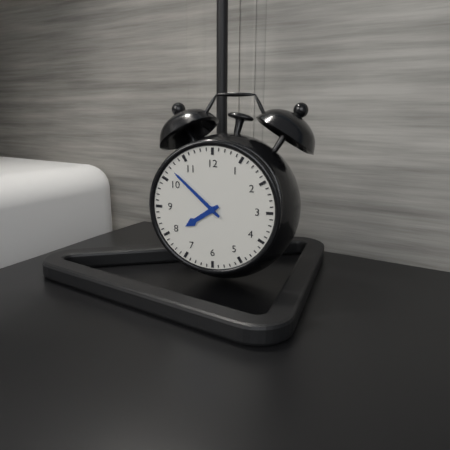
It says 7:52
